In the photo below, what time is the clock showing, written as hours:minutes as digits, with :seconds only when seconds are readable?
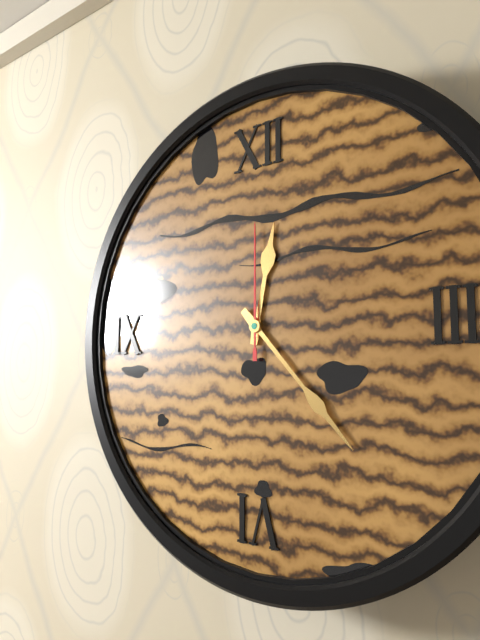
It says 12:23:00
